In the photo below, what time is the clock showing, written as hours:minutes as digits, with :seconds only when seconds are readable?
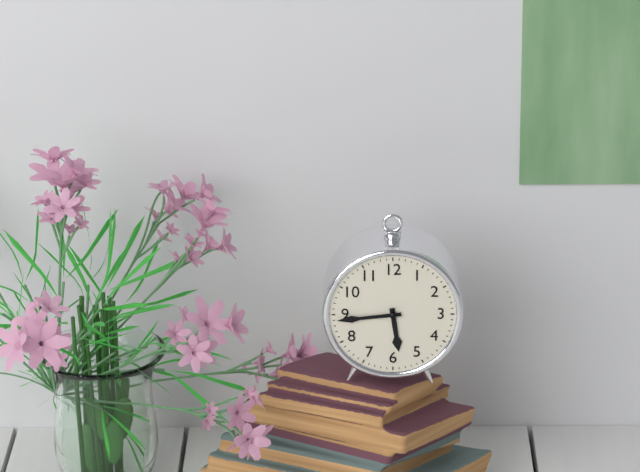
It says 5:44
